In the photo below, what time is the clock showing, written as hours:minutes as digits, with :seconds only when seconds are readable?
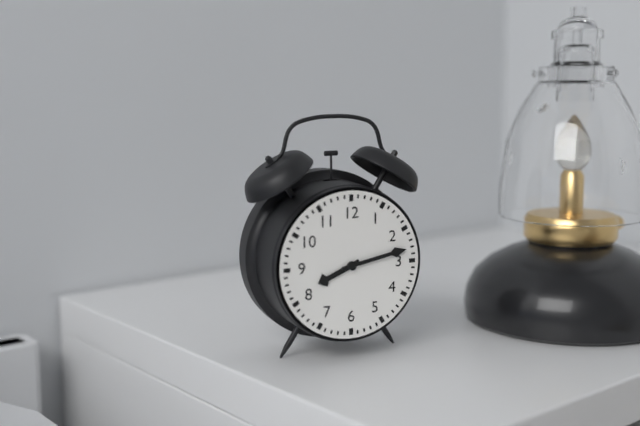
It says 8:13
